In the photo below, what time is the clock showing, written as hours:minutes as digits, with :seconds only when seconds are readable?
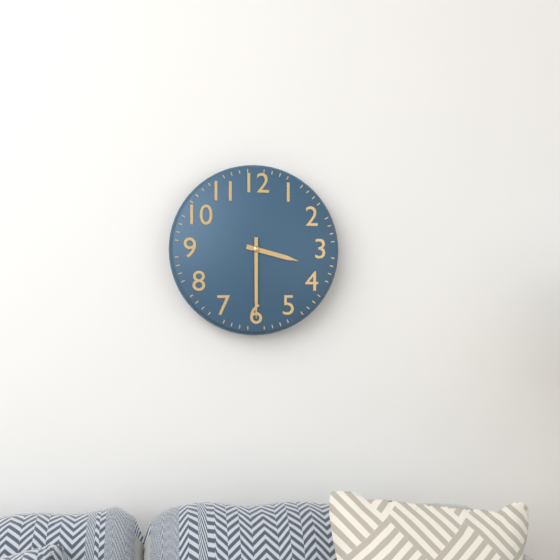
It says 3:30
